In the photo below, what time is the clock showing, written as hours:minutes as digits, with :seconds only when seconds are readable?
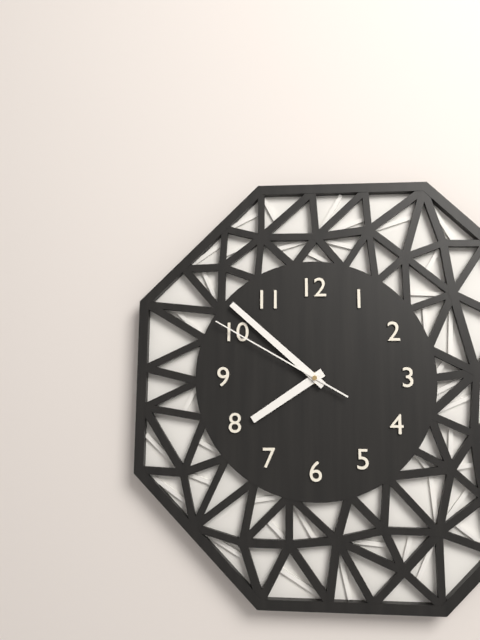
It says 7:52:50
